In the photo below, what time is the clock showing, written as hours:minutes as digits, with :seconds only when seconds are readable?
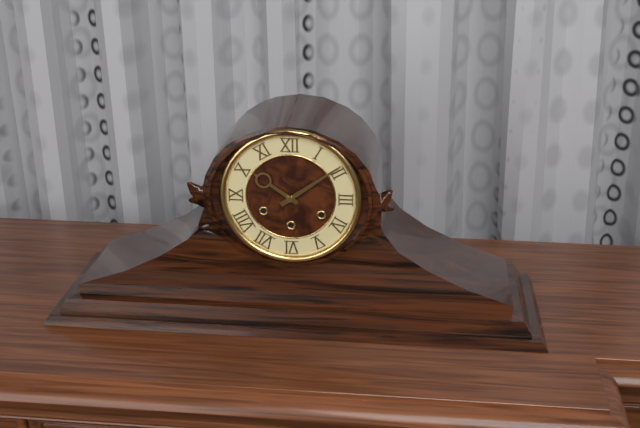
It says 10:09
